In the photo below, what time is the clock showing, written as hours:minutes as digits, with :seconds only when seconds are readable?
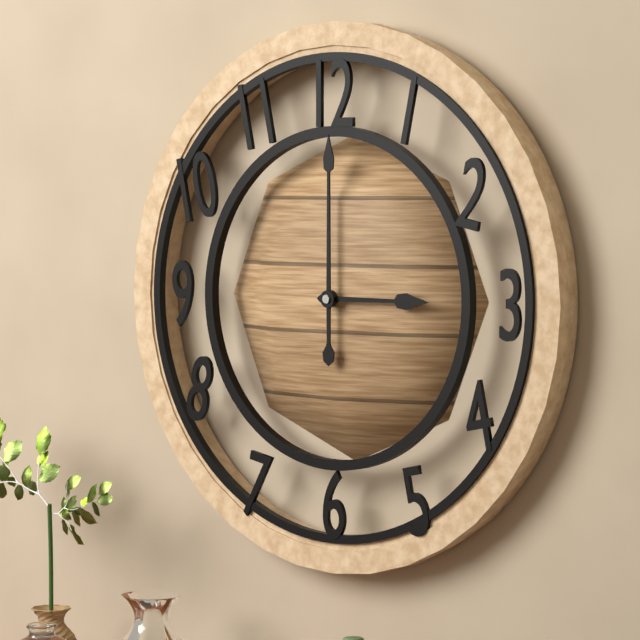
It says 3:00
